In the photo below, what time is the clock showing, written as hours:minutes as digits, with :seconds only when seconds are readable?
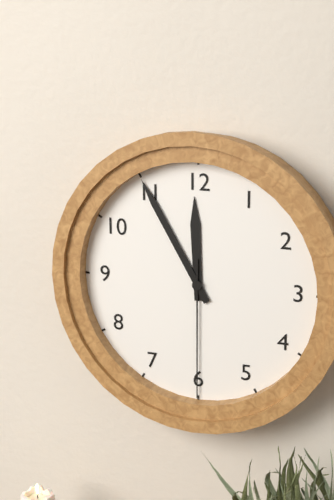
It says 11:55:30
